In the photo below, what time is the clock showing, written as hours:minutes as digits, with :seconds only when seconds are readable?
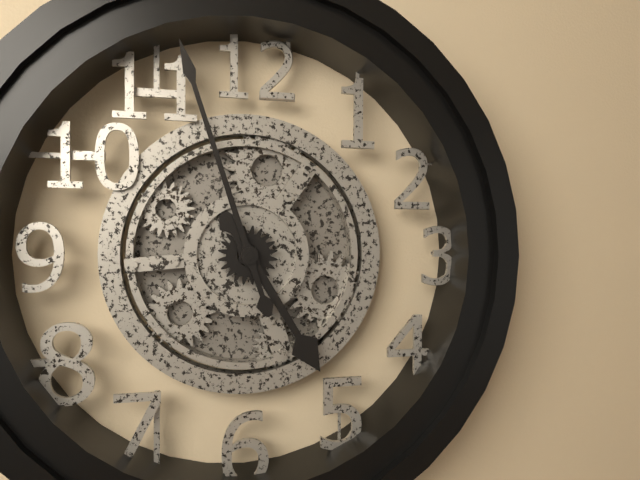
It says 4:57
